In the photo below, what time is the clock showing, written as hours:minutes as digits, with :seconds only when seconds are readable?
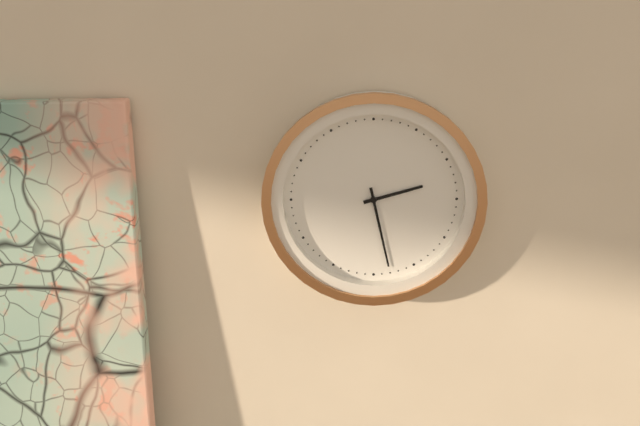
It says 2:28
